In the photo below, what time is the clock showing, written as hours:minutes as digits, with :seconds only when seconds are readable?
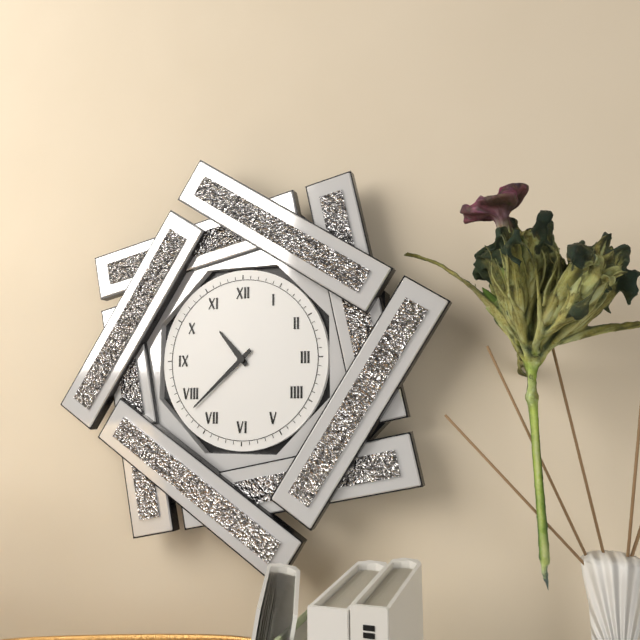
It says 10:38
